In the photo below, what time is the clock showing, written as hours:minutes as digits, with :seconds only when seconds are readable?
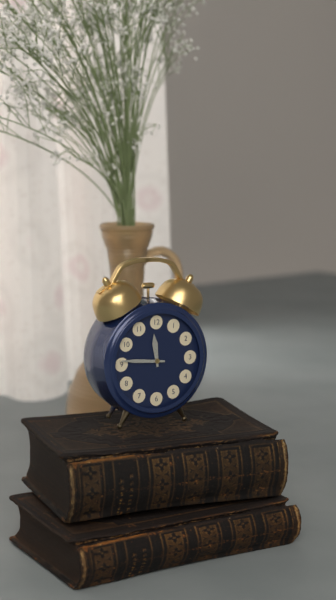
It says 11:46
